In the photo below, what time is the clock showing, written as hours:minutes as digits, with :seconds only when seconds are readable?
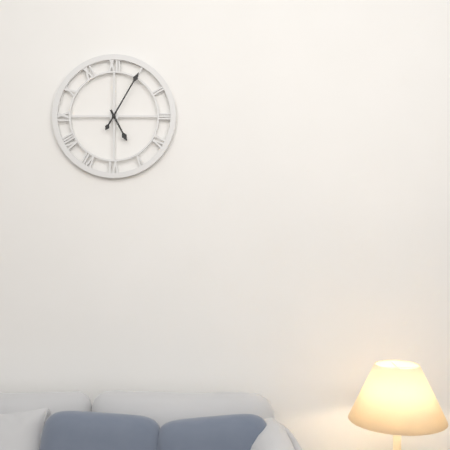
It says 5:05
